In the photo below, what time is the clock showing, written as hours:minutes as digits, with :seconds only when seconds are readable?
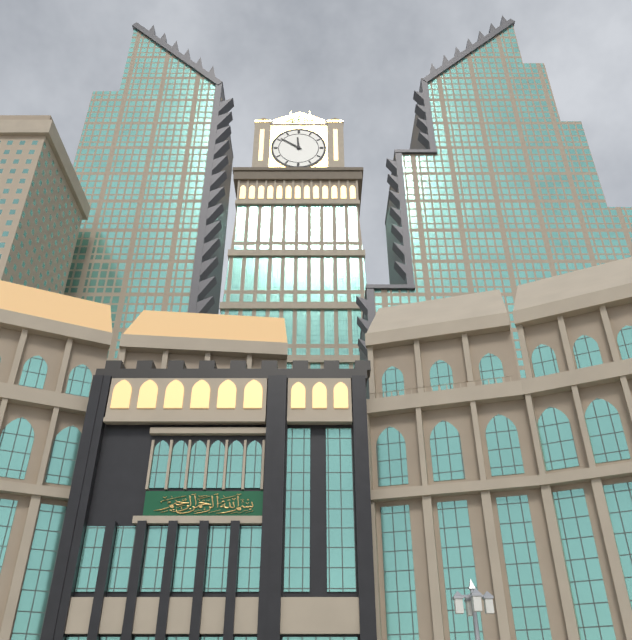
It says 11:51
